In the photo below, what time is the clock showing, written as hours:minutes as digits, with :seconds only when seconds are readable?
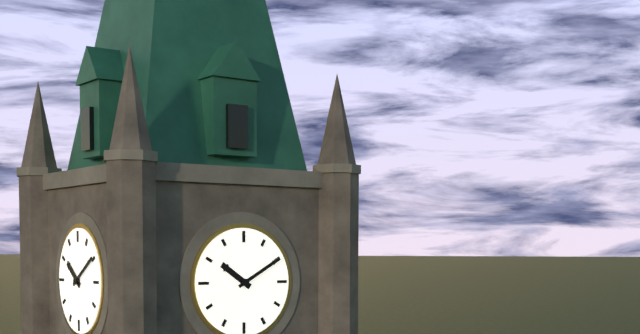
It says 10:10
